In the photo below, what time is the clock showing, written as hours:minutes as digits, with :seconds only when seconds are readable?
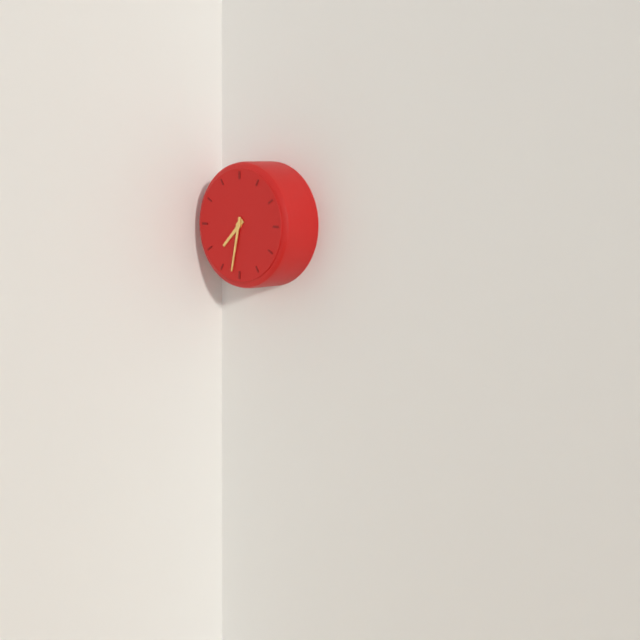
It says 7:32
